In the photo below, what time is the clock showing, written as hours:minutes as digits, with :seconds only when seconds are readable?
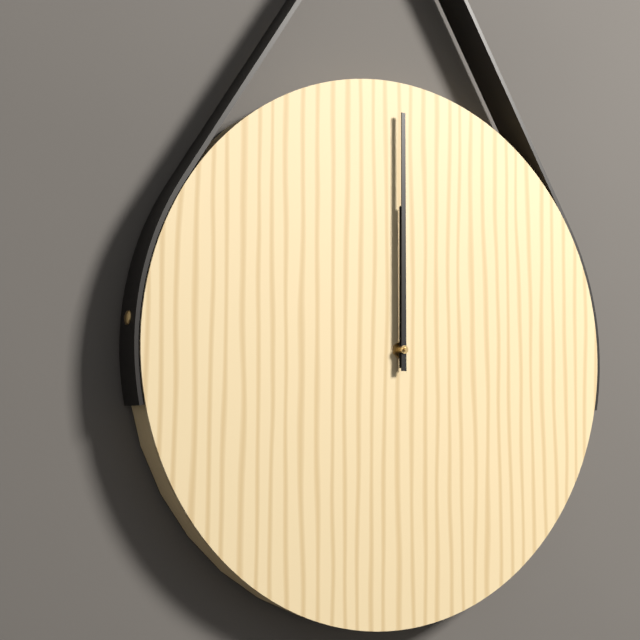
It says 12:00
